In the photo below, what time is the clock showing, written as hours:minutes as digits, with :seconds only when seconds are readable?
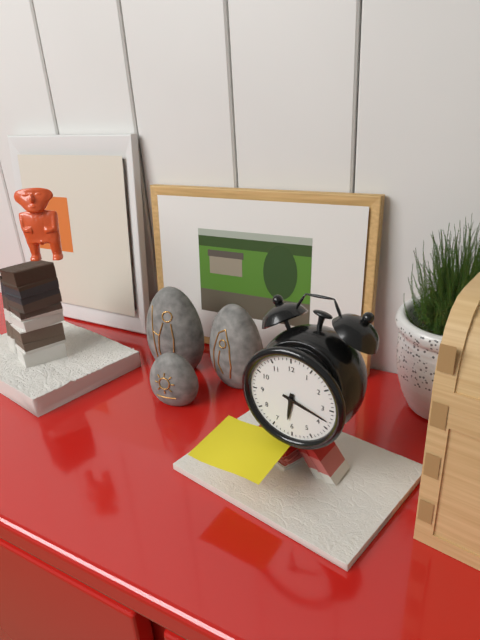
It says 6:18
